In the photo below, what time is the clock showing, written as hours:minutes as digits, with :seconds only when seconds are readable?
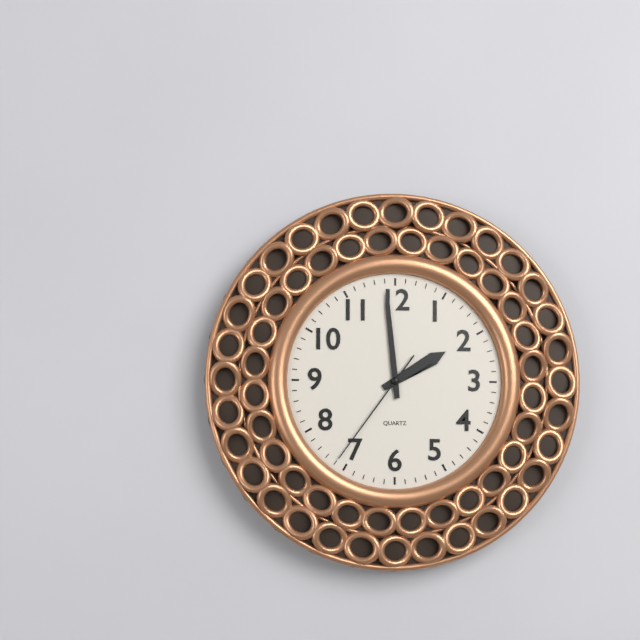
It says 1:59:36
